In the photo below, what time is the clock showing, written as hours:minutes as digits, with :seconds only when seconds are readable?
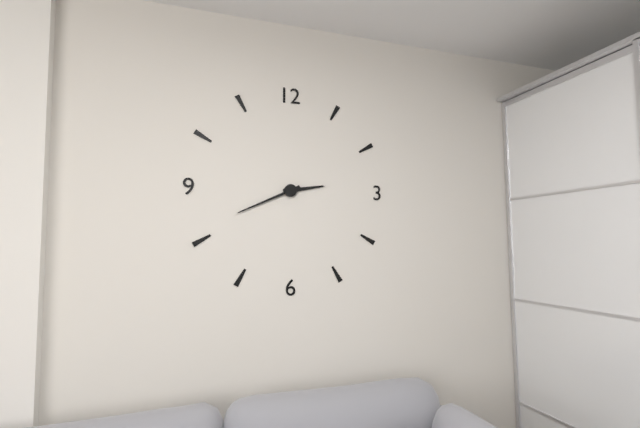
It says 2:41
